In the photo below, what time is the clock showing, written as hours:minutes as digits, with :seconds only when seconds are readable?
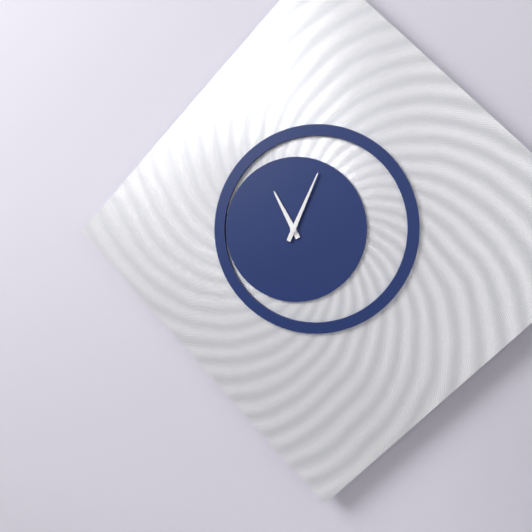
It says 11:04
